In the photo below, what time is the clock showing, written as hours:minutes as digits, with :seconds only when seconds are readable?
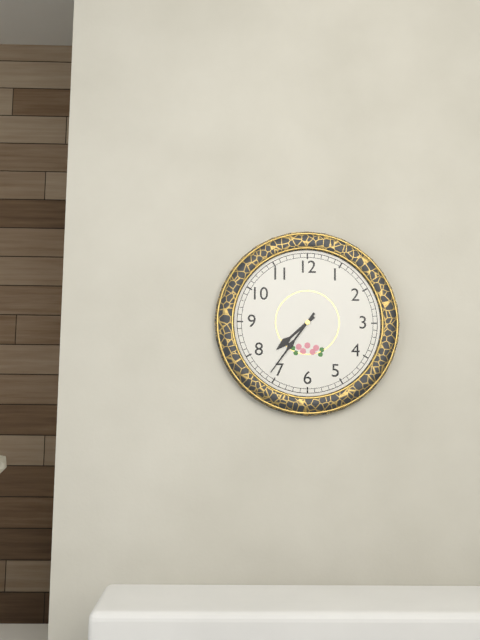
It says 7:36
